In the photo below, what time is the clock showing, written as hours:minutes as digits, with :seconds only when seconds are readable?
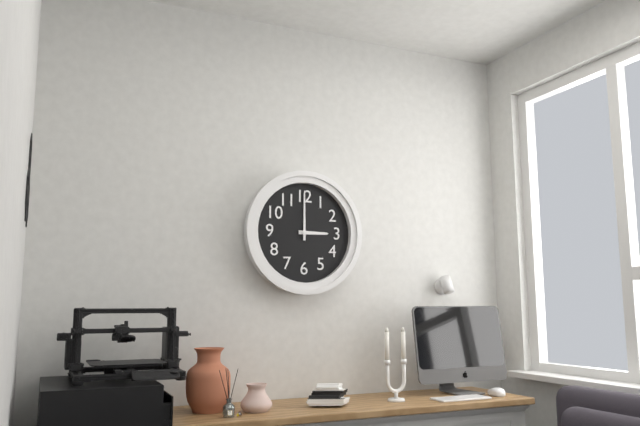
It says 3:00
